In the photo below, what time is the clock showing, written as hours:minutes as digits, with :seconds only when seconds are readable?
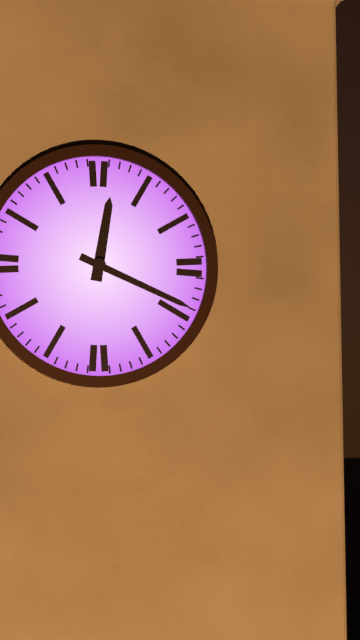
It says 12:19
